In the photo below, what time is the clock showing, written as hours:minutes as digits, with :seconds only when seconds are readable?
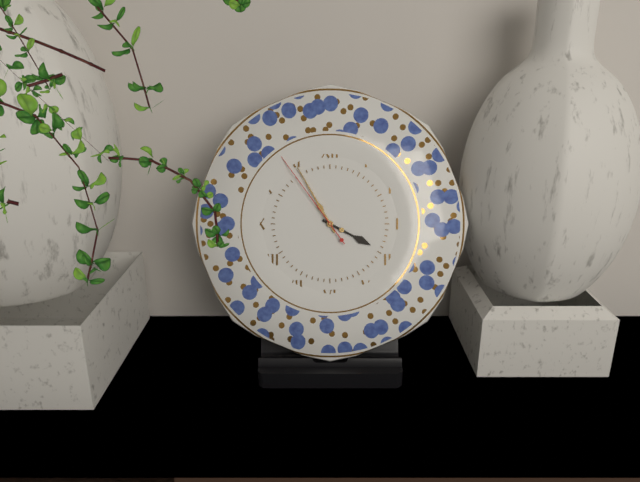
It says 3:55:54
